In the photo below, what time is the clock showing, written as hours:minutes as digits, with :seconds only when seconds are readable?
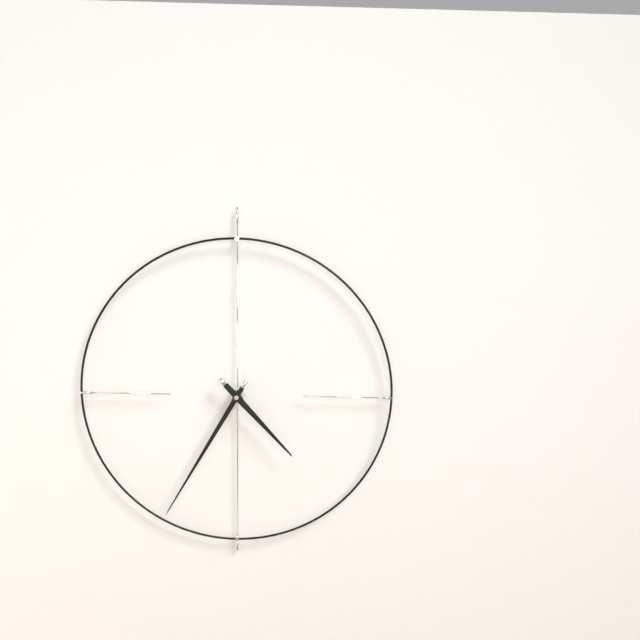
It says 4:35
